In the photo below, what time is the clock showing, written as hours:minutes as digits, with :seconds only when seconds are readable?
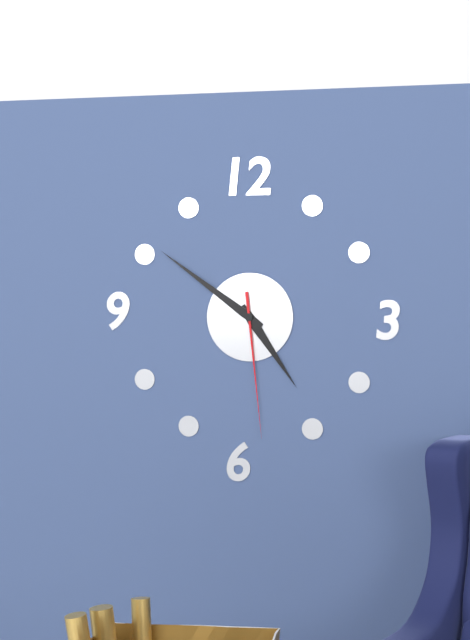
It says 4:51:29
